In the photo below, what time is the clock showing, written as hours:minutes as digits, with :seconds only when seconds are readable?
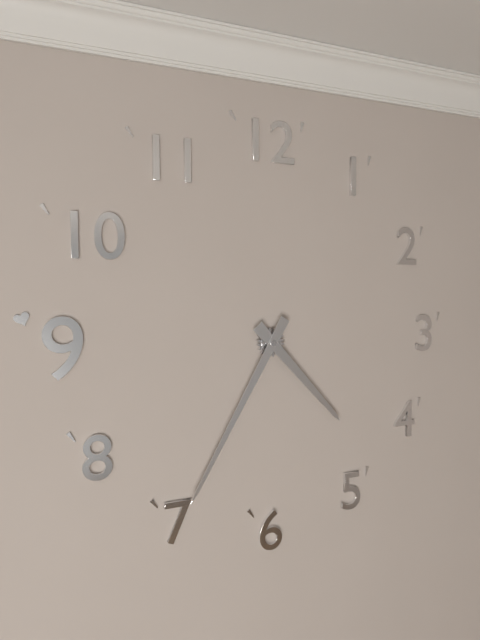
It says 4:35
